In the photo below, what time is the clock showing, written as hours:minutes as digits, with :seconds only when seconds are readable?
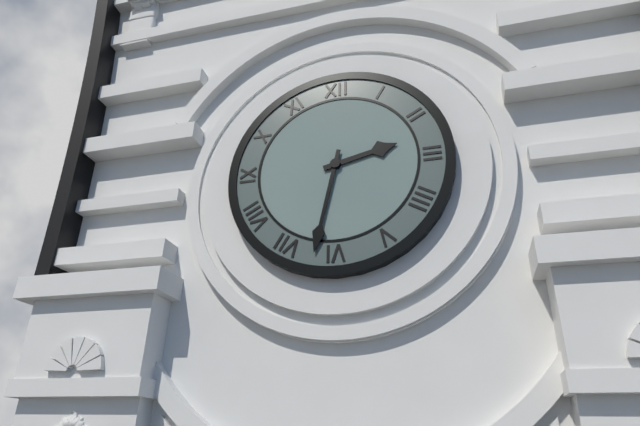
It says 2:32
